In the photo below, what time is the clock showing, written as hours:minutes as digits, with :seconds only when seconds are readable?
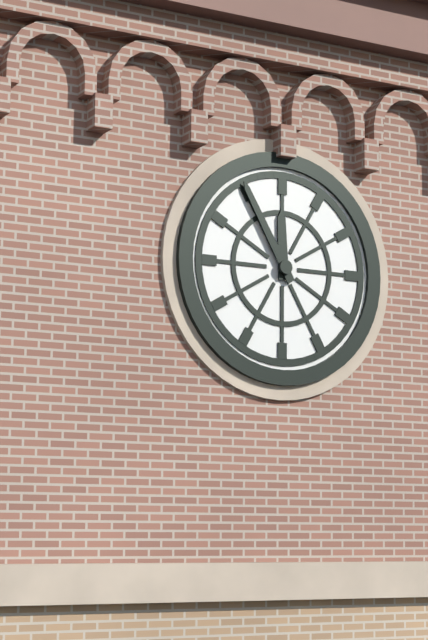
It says 11:55
